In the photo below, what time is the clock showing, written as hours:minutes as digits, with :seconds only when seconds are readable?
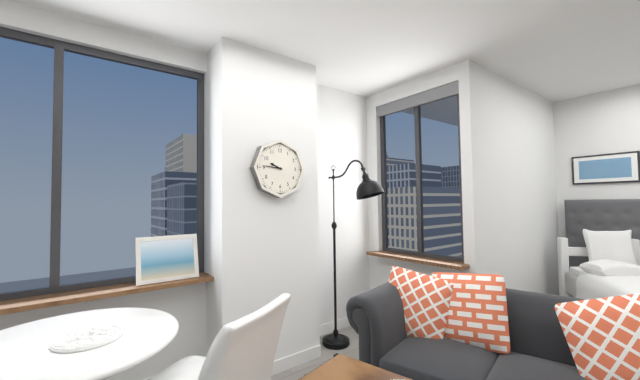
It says 9:46
